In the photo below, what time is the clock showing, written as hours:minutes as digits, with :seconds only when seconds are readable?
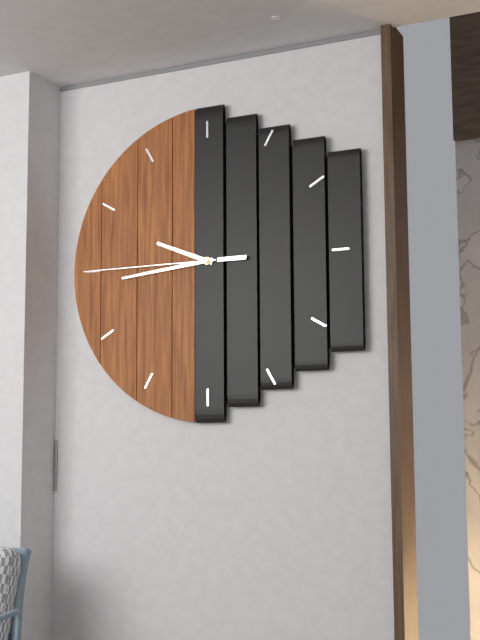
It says 9:44:45
